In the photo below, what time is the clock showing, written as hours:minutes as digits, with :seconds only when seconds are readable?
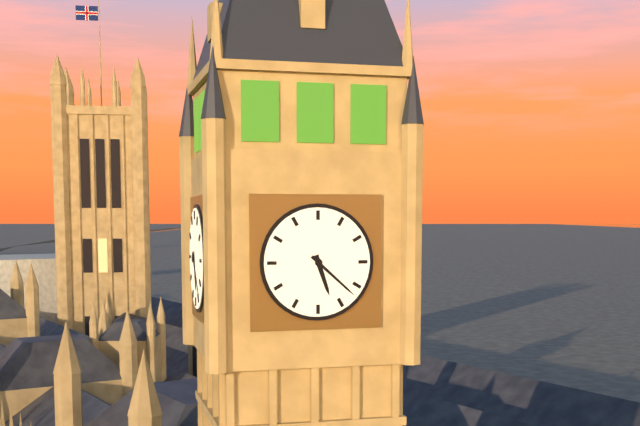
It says 5:22
